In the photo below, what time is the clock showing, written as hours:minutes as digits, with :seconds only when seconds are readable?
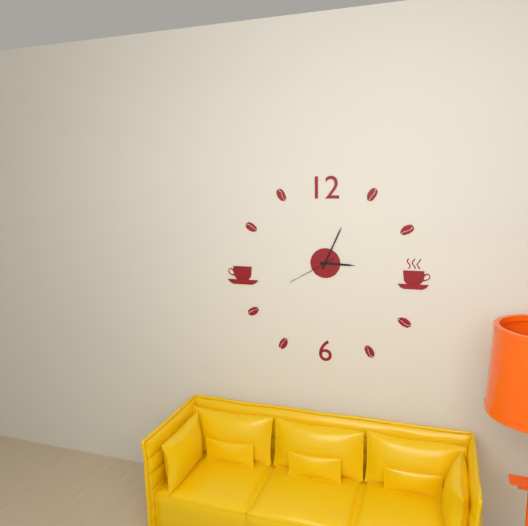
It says 3:04
